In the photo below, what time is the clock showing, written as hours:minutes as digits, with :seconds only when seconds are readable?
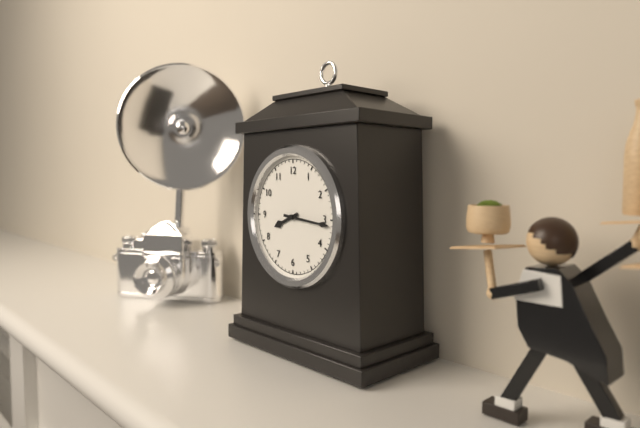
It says 8:16
